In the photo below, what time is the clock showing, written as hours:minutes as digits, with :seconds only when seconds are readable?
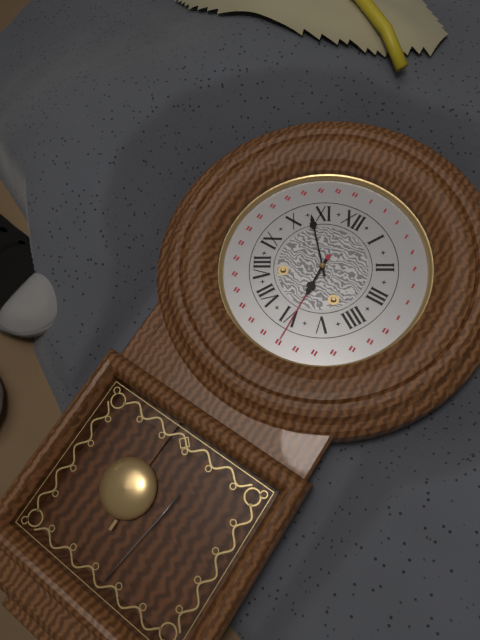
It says 5:53
